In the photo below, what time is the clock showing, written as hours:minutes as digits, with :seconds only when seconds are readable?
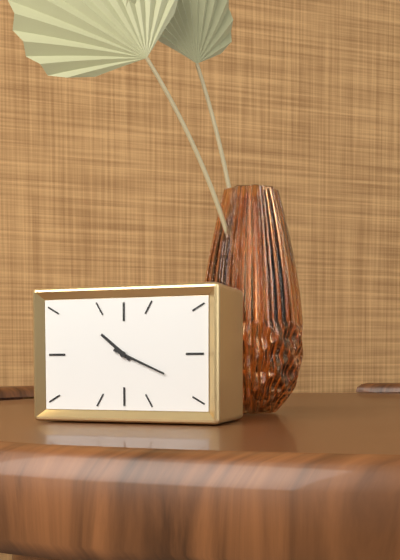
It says 10:19
